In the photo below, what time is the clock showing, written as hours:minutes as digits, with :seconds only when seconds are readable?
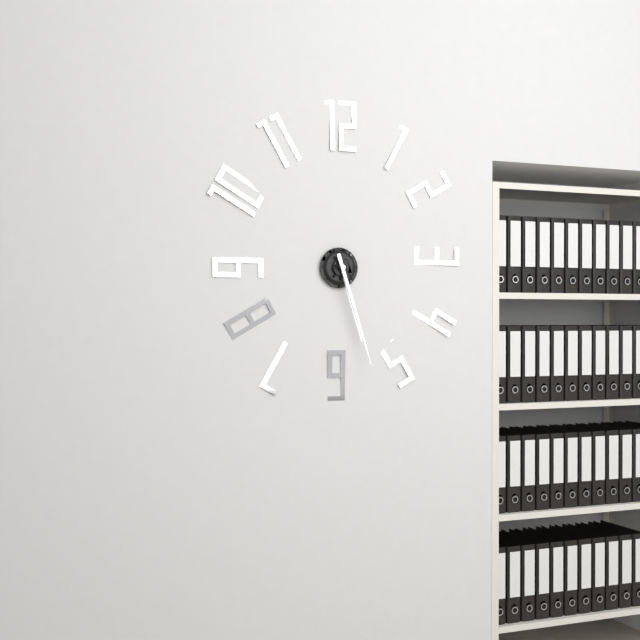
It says 5:27
